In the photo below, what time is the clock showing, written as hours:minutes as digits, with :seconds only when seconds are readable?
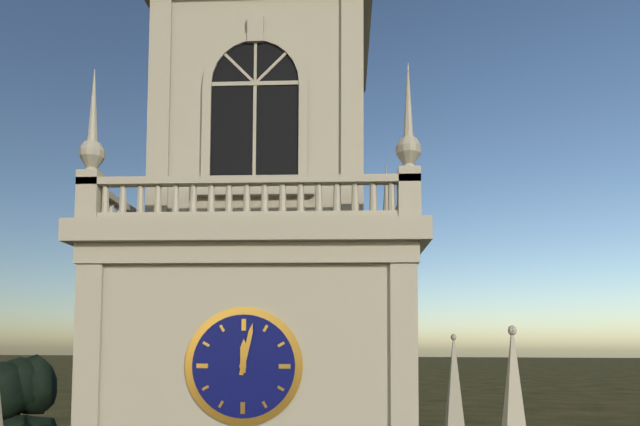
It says 12:02
